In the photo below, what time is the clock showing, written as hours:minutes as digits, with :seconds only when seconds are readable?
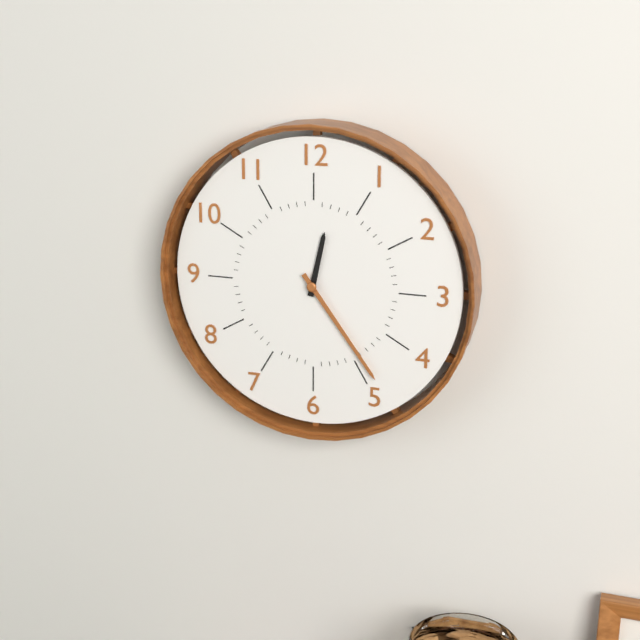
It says 12:24
